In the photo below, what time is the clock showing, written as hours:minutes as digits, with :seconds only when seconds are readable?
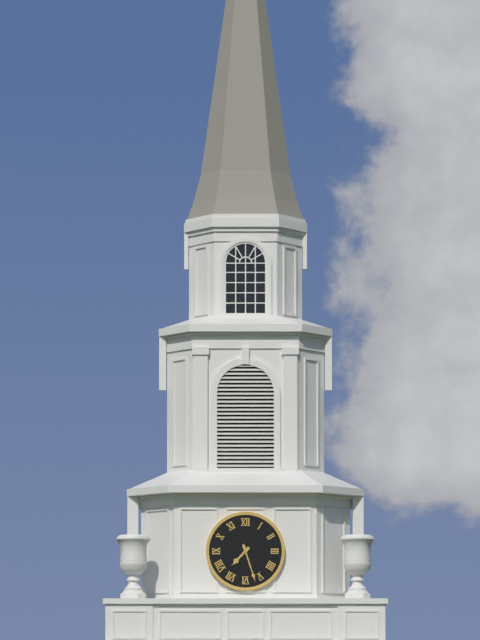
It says 7:27
